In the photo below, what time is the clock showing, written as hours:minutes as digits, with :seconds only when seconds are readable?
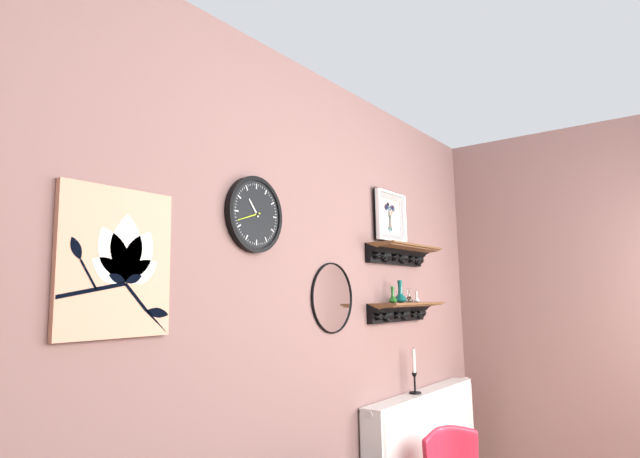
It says 10:42
